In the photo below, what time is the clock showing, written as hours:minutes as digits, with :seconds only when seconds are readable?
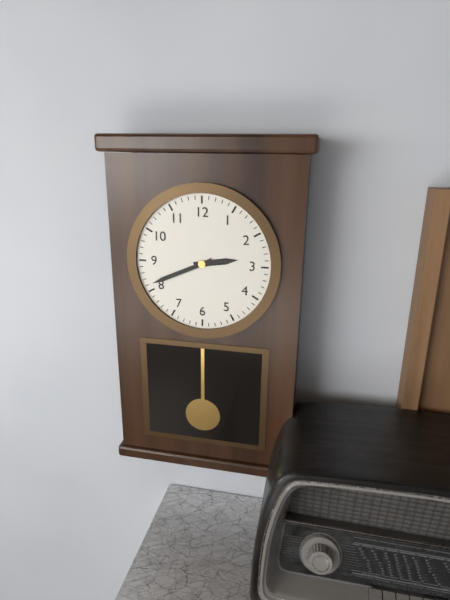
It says 2:41
